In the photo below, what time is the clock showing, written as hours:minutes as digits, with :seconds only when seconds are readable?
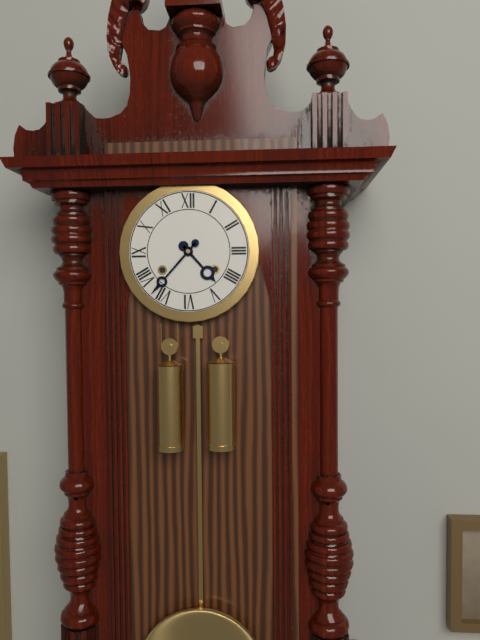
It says 4:37
